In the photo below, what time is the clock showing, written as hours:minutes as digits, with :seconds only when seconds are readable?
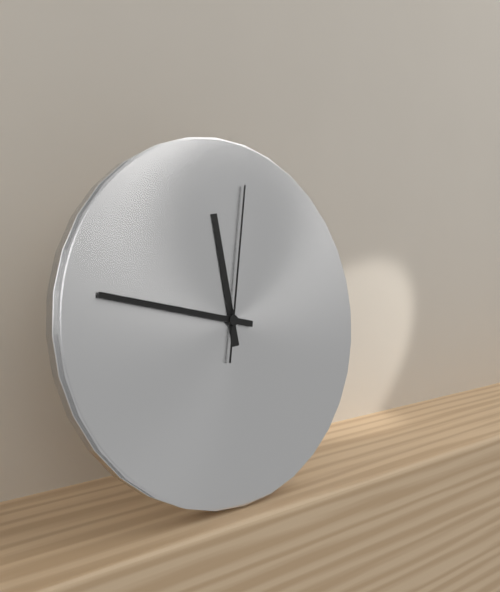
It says 11:47:02
